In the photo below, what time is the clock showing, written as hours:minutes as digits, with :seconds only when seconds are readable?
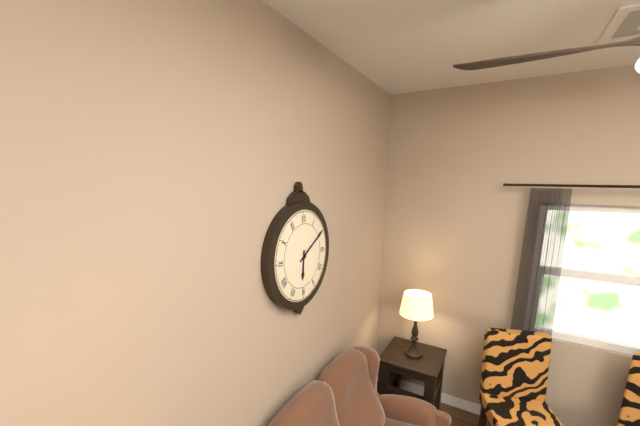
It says 6:10
